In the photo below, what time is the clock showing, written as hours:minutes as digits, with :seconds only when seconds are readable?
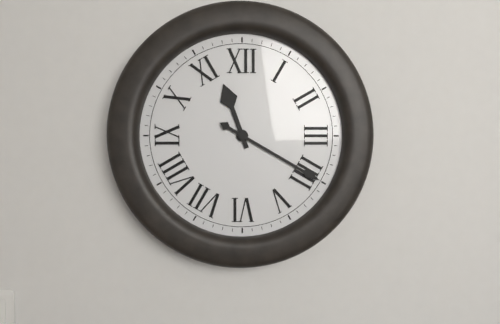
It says 11:20
